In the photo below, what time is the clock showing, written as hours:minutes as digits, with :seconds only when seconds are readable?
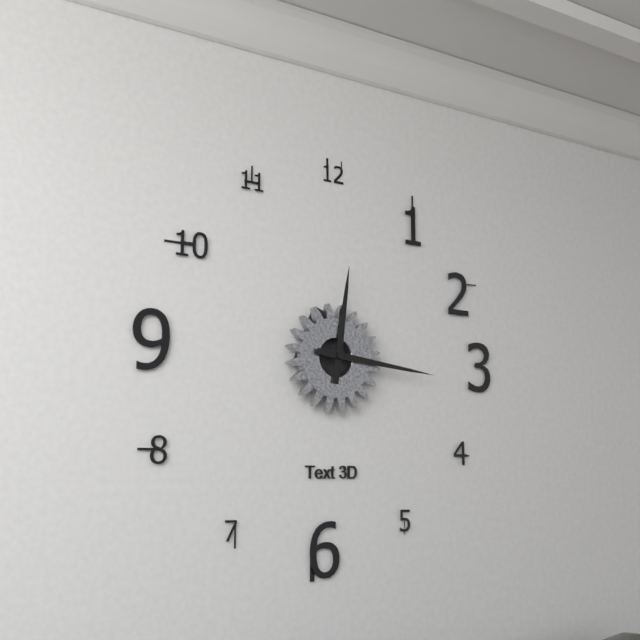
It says 12:16
